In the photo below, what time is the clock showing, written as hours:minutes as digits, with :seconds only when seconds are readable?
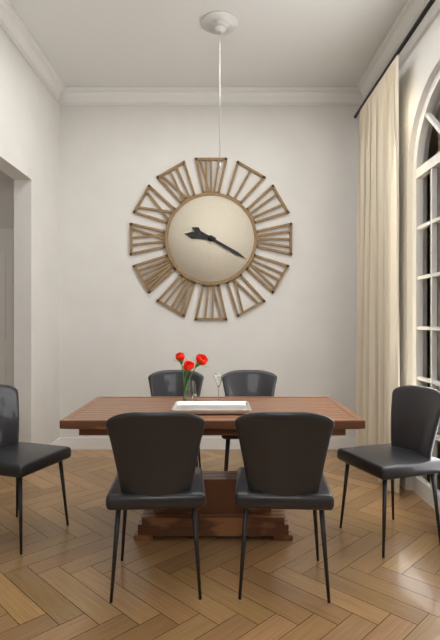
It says 9:20
